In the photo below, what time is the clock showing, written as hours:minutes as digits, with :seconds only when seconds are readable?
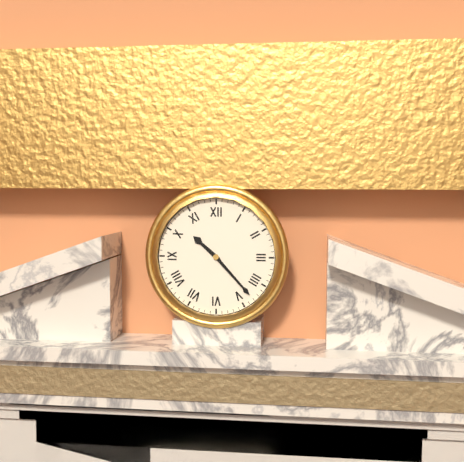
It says 10:23
